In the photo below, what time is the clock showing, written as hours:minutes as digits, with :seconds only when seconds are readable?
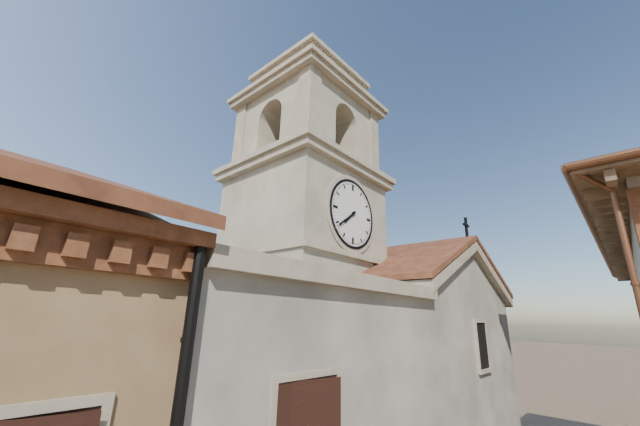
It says 7:39
